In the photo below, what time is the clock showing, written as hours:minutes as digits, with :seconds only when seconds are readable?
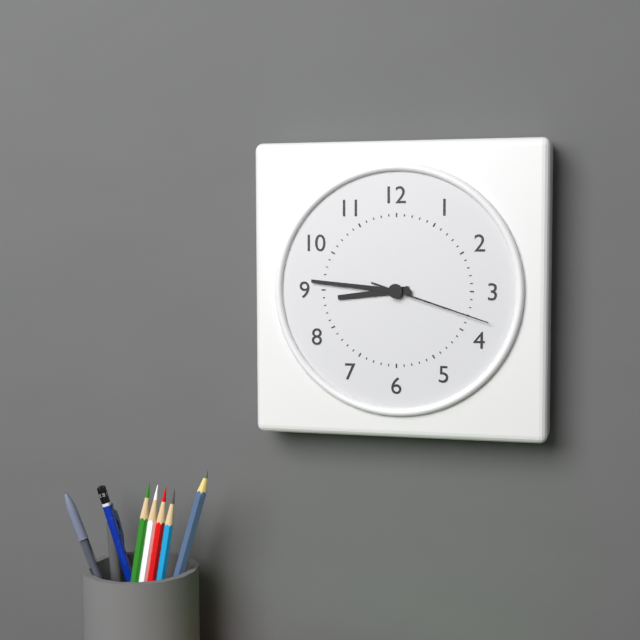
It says 8:46:18
